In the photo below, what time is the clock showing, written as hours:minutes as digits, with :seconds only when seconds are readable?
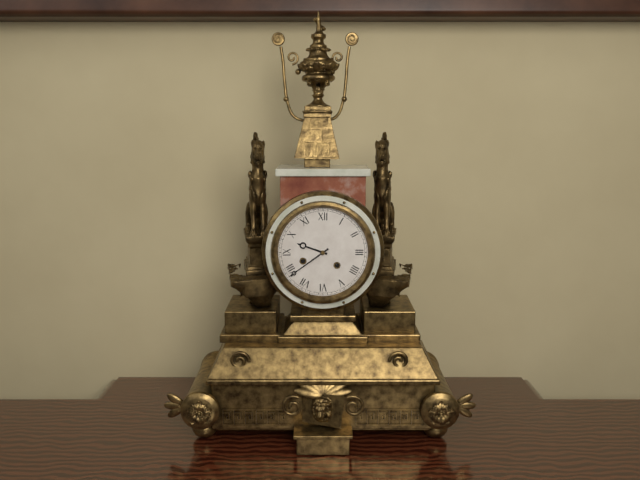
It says 9:39
